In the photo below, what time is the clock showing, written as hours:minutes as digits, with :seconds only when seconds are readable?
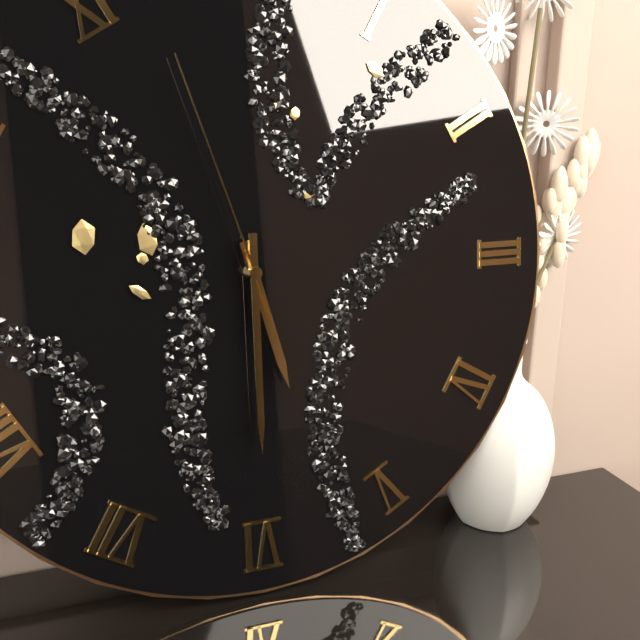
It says 5:30:57
